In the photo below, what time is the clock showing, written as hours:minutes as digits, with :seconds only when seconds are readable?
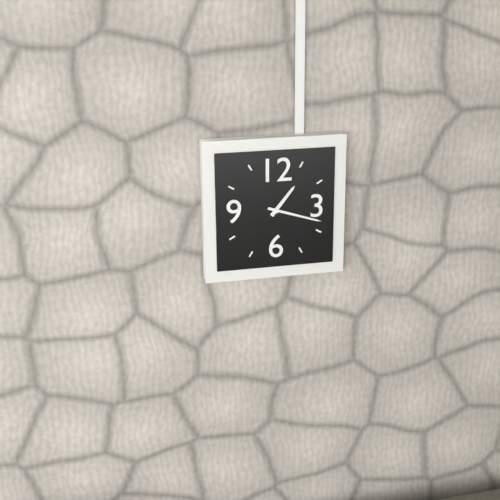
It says 1:18
